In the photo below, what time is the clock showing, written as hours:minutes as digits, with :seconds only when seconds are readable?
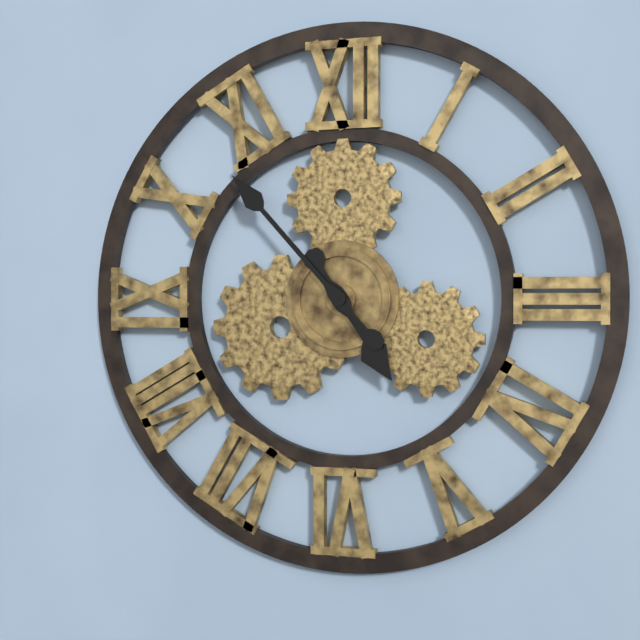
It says 4:53
